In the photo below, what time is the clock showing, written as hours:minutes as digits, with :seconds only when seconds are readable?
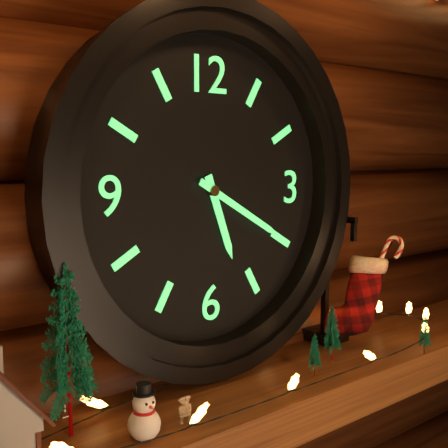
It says 5:20
